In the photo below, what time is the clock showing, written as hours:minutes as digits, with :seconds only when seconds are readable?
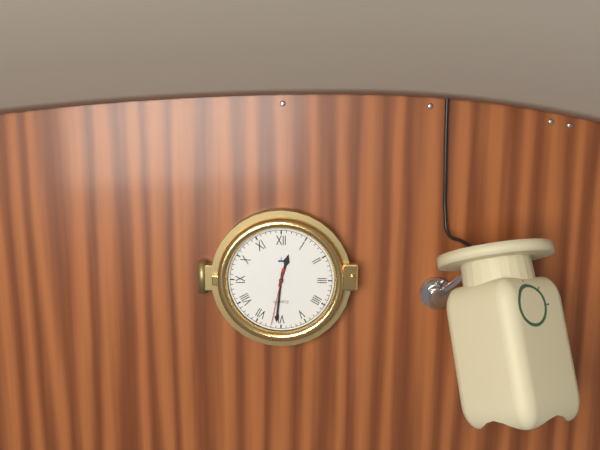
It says 12:31:32
